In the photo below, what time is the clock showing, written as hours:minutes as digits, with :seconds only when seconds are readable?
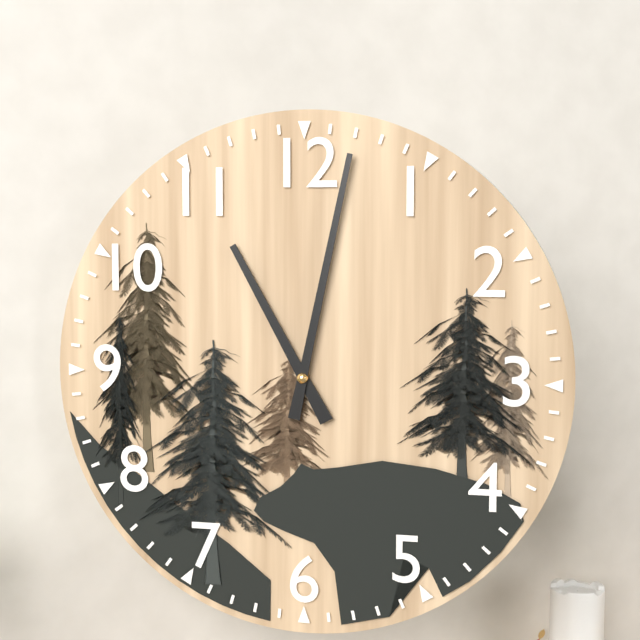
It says 11:02
